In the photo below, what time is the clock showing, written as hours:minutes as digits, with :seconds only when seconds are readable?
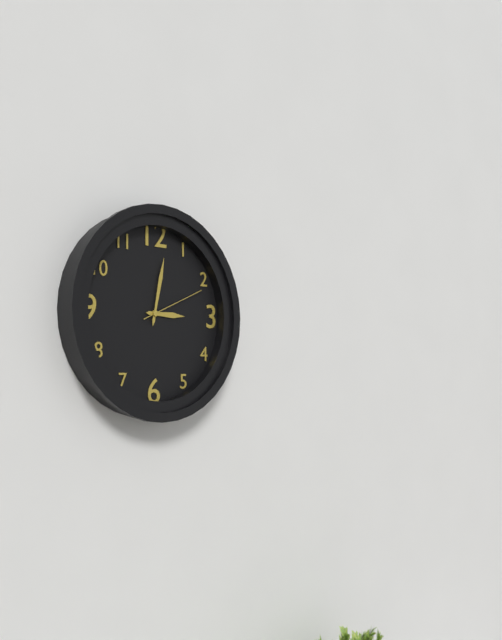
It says 3:02:11
